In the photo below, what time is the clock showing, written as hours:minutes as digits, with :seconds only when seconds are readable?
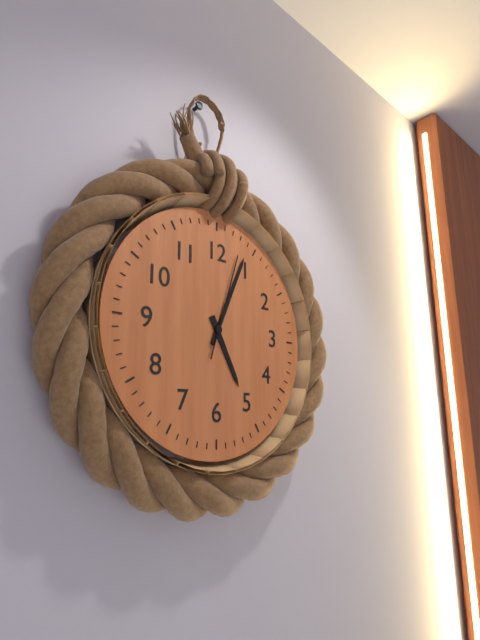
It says 5:04:03
